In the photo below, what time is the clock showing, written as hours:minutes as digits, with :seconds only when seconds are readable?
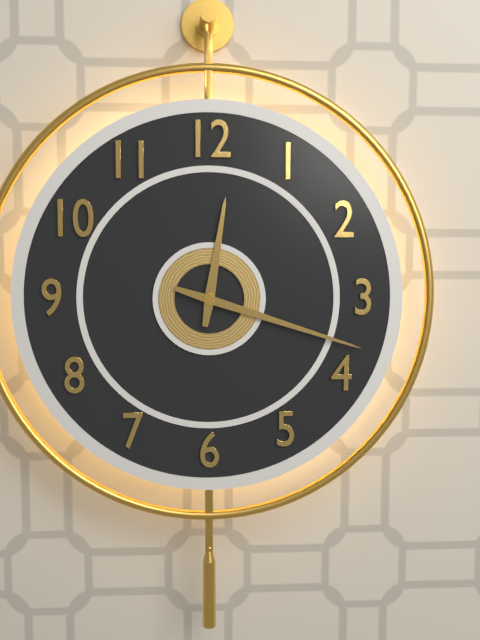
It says 12:18
